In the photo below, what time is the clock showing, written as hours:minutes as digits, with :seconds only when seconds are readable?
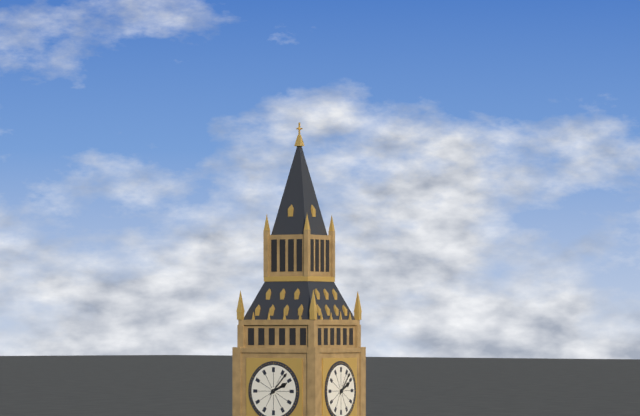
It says 2:07
